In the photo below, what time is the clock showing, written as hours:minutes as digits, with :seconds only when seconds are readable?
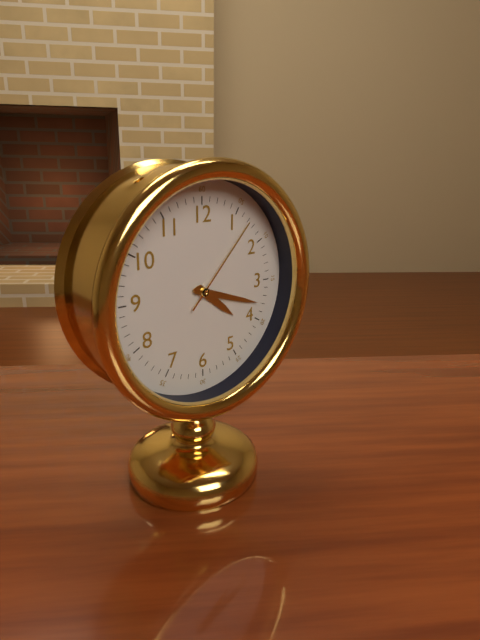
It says 4:18:07
